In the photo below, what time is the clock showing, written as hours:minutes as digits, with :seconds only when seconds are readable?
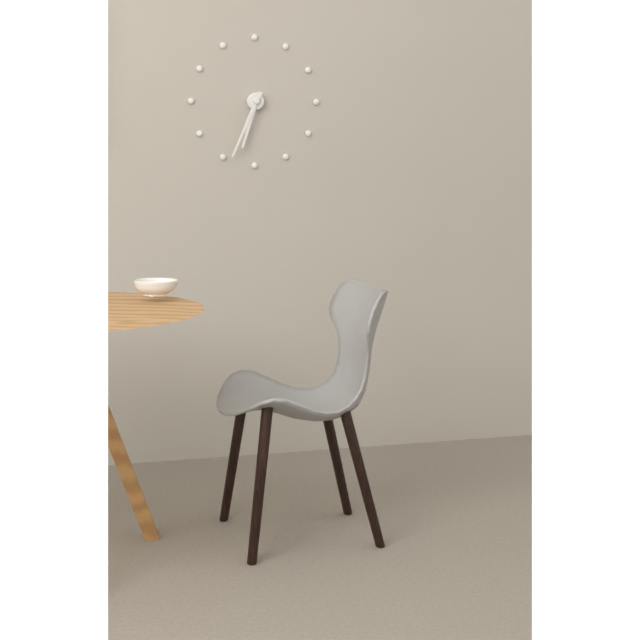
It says 6:34
